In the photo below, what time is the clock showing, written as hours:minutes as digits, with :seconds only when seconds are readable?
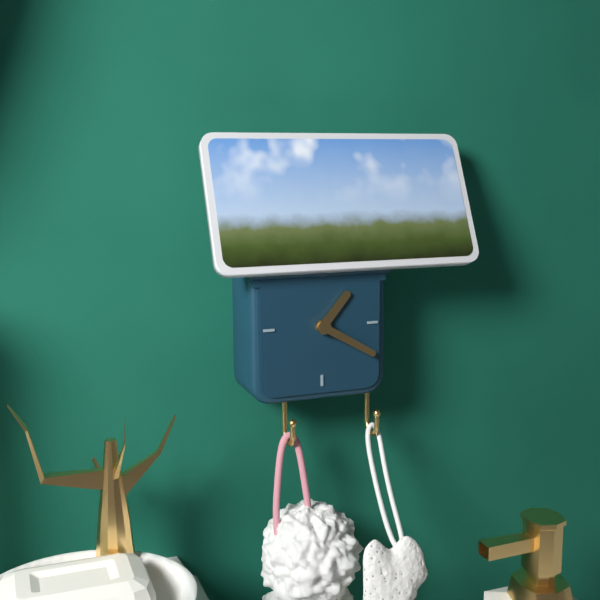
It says 1:20
